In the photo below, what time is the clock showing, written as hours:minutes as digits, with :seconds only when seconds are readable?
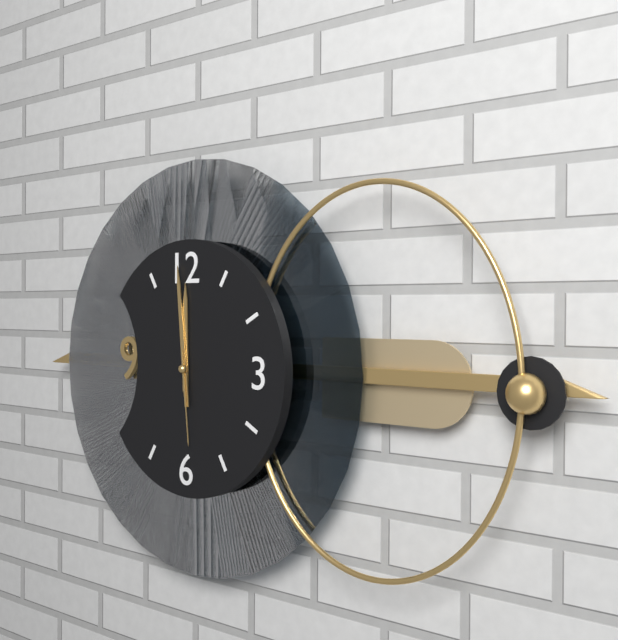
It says 11:59:29
